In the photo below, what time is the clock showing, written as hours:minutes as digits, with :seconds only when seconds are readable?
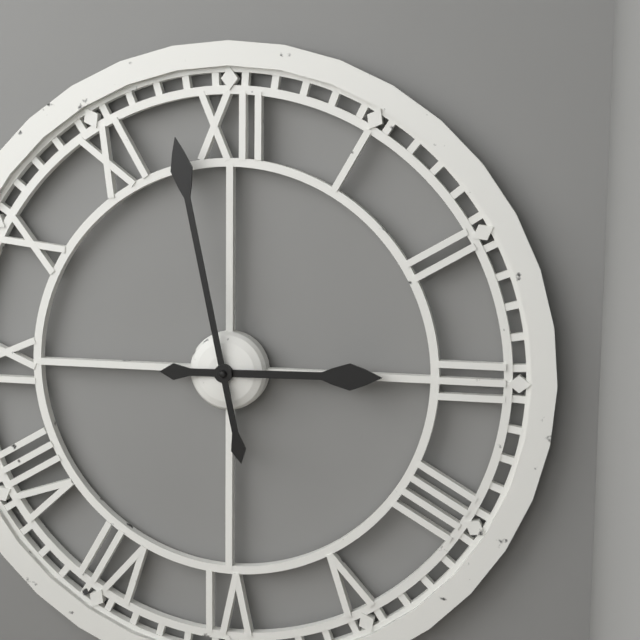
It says 2:58
